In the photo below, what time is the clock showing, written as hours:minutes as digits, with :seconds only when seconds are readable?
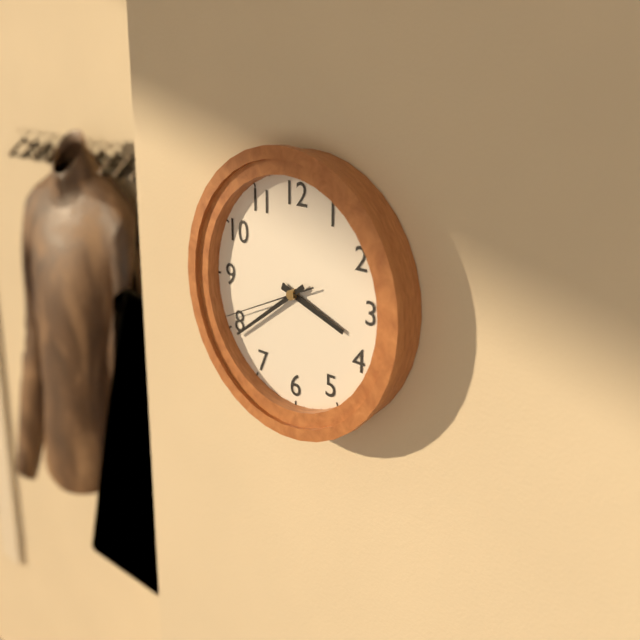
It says 3:39:41
